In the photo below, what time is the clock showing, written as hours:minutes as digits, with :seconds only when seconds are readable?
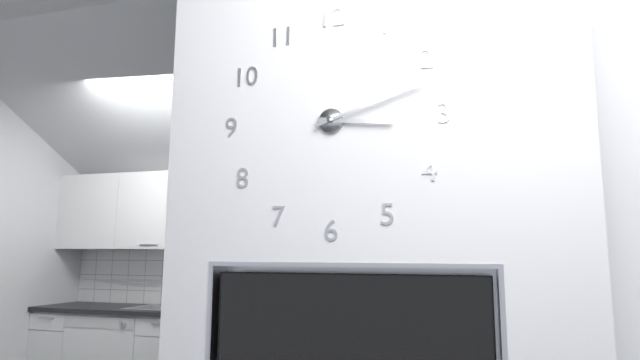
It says 3:12
